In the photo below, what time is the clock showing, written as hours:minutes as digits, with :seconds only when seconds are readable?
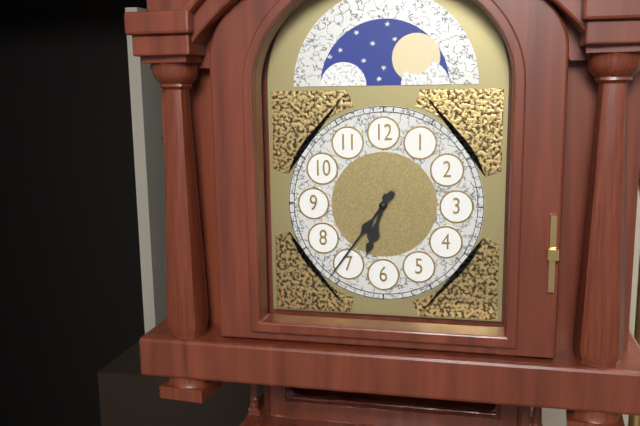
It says 6:36
